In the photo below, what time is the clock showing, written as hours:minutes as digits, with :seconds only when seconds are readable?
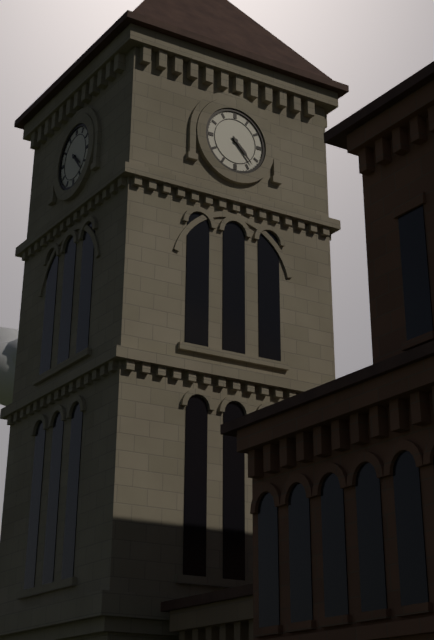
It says 4:23
